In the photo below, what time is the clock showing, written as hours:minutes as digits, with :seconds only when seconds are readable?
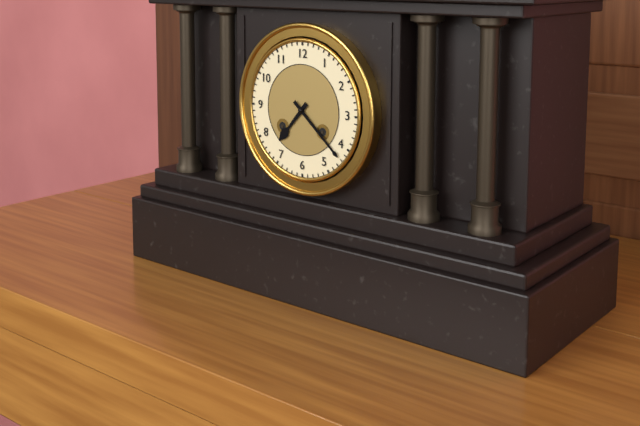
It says 7:22
